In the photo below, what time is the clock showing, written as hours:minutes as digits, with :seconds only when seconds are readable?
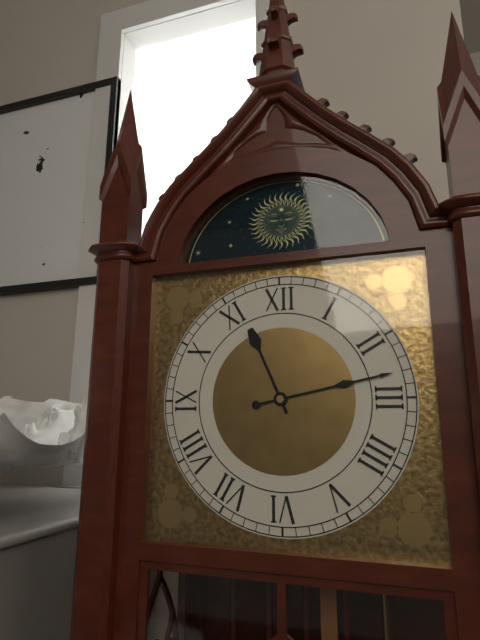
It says 11:13
